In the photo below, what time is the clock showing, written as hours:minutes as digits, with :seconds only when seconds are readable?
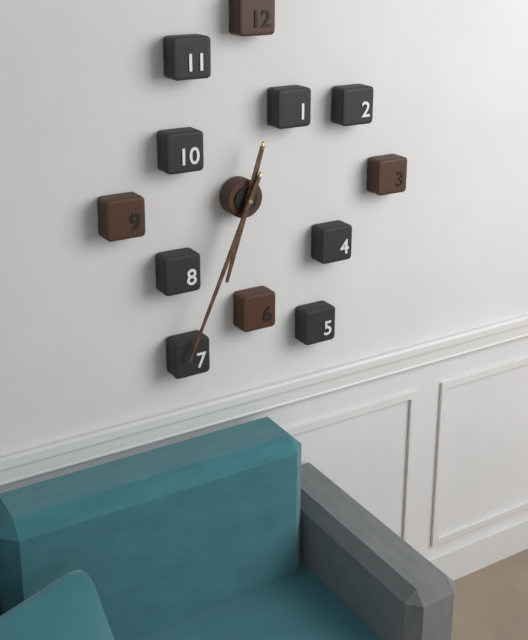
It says 6:34
